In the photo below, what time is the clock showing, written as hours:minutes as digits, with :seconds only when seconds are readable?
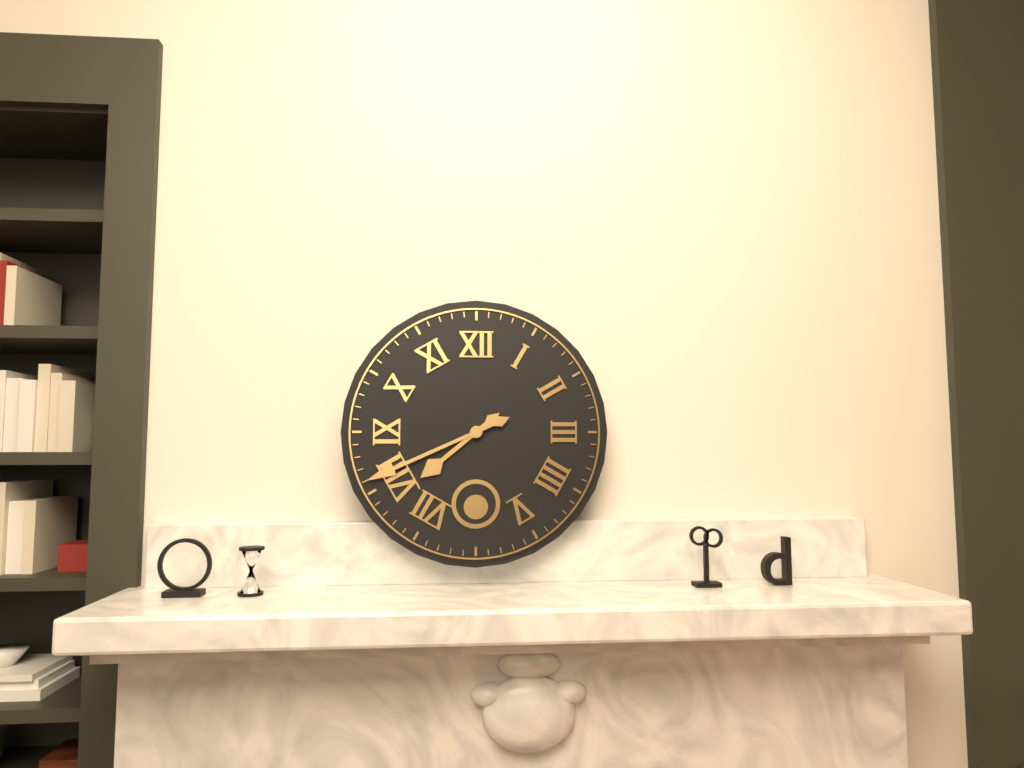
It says 7:41
